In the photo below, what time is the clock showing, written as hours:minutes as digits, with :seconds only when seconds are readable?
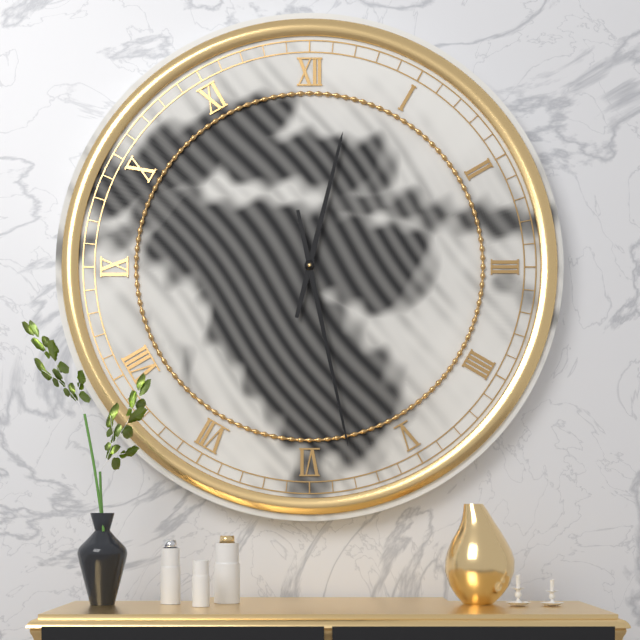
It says 12:28
